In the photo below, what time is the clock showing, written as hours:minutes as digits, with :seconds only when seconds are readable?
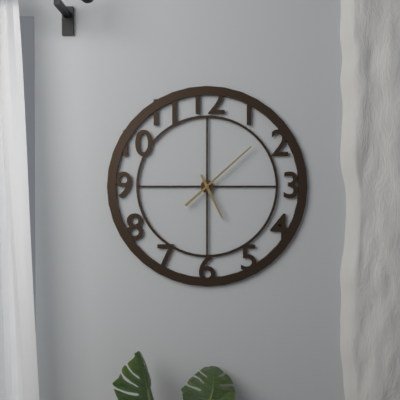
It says 5:08
